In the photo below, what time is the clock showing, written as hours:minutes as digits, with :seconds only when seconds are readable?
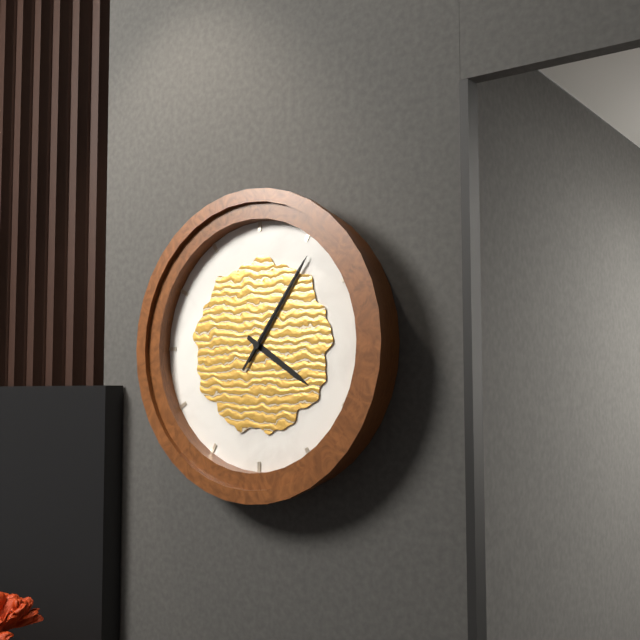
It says 4:06:06
